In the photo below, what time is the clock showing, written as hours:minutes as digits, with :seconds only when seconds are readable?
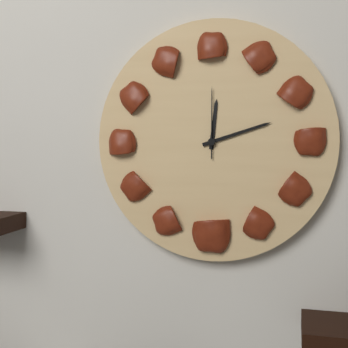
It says 12:12:00
